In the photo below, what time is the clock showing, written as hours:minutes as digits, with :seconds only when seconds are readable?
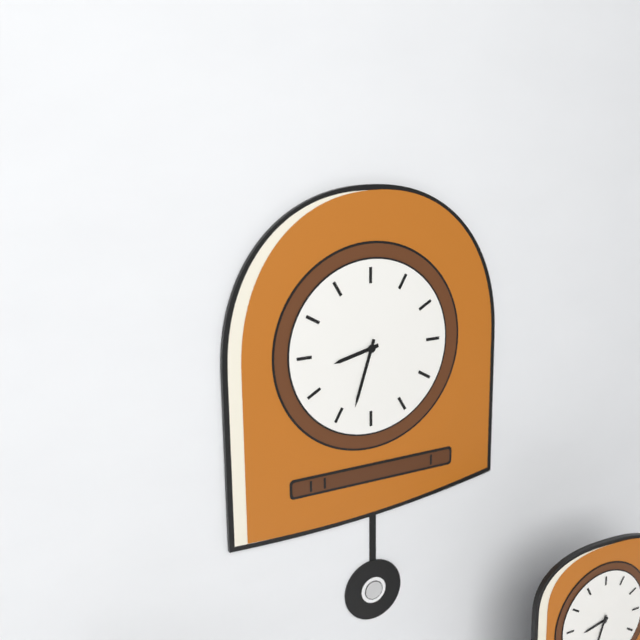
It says 8:33
